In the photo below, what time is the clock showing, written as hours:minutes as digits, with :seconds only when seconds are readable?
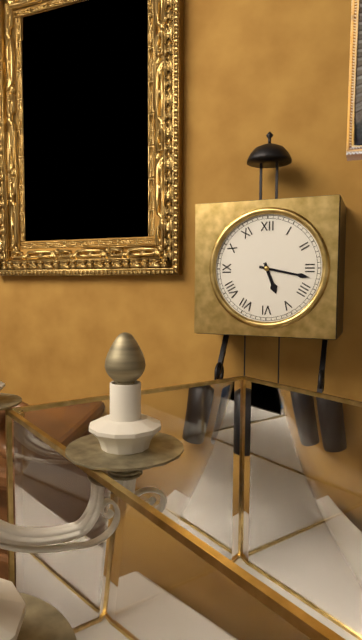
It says 5:17
